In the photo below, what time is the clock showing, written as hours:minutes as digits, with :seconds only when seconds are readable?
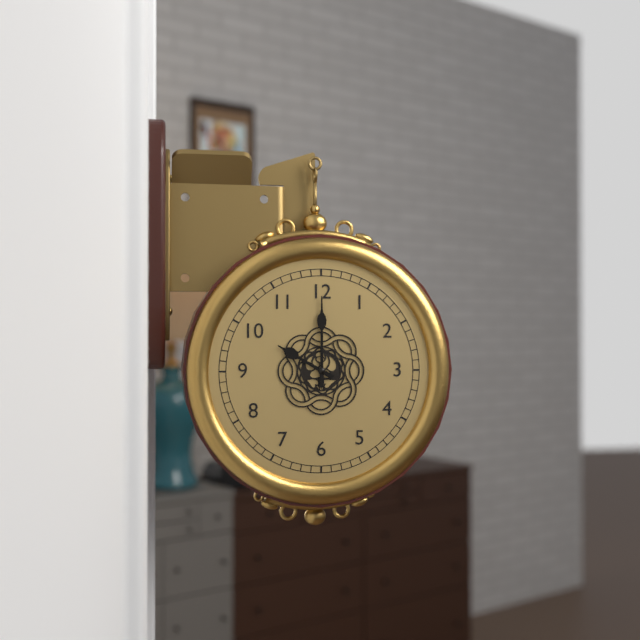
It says 10:00
